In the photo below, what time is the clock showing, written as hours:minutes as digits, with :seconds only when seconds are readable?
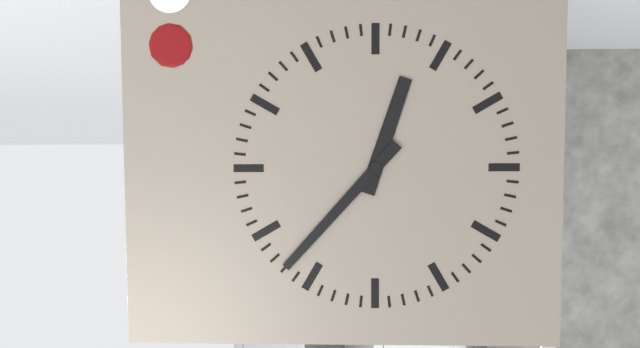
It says 12:37
